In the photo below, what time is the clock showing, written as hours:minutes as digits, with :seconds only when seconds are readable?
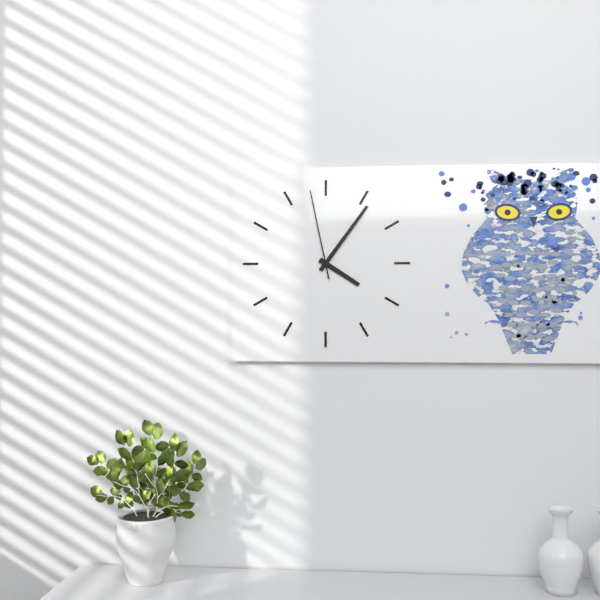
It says 4:06:58
